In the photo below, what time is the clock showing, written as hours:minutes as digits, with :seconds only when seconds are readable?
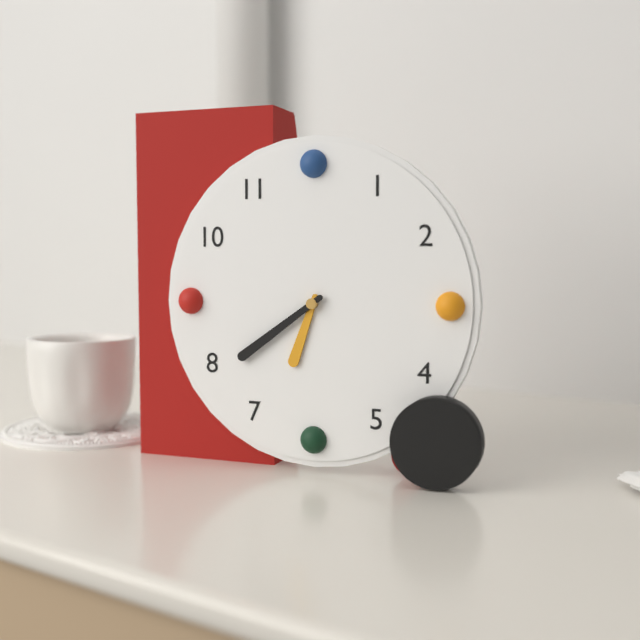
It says 6:39
